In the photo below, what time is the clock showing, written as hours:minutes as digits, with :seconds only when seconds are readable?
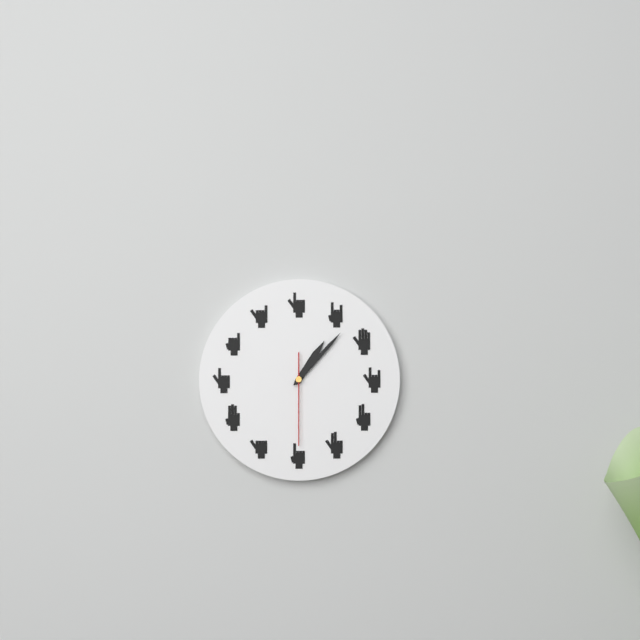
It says 1:07:30
